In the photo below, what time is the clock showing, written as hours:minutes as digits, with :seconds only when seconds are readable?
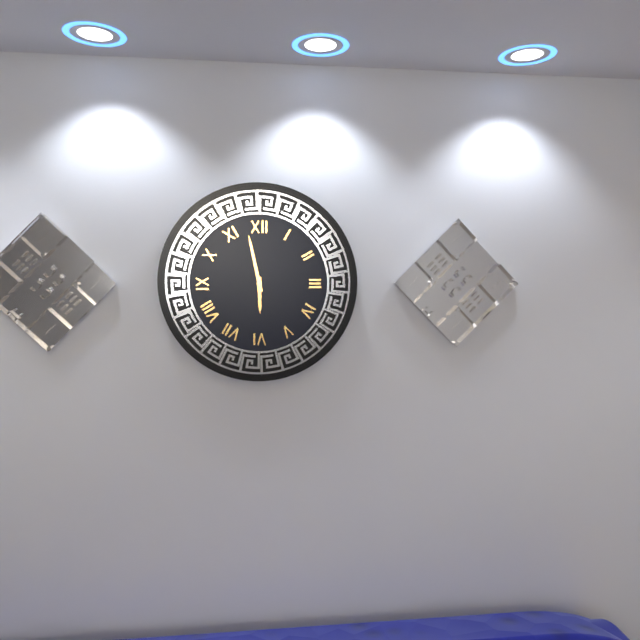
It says 5:58
